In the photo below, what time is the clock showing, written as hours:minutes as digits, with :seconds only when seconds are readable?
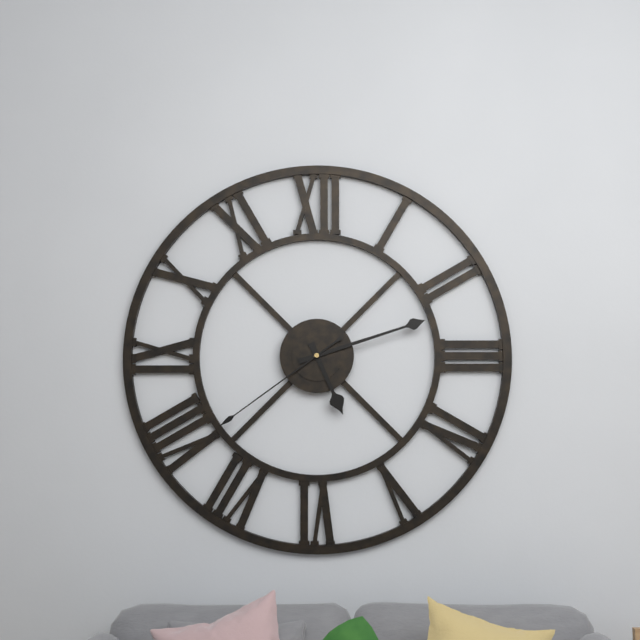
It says 5:12:39
